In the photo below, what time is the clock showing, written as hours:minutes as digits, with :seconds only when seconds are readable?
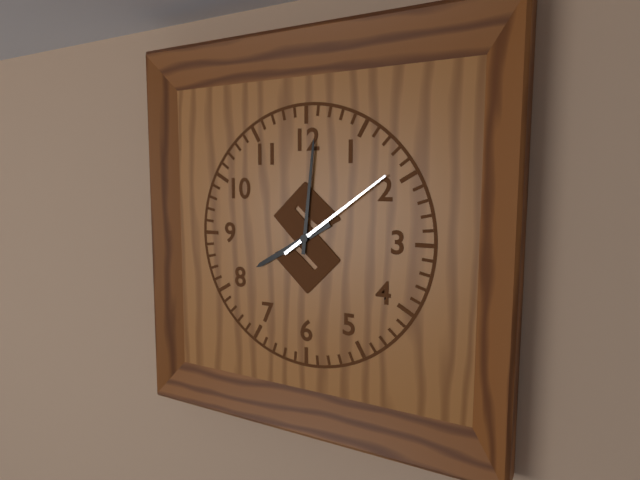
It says 8:01:09
